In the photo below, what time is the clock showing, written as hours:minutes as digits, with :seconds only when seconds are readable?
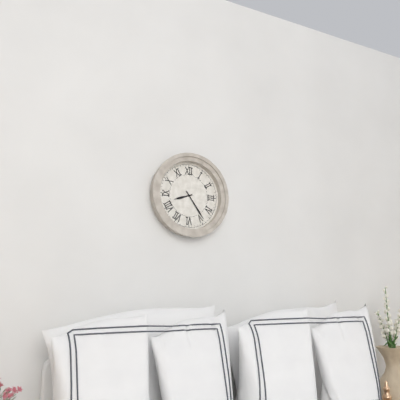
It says 8:24
